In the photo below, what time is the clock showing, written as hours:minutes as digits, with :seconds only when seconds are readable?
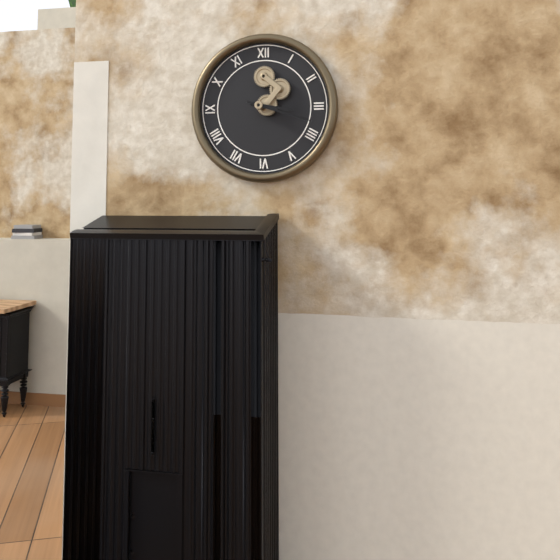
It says 3:18
